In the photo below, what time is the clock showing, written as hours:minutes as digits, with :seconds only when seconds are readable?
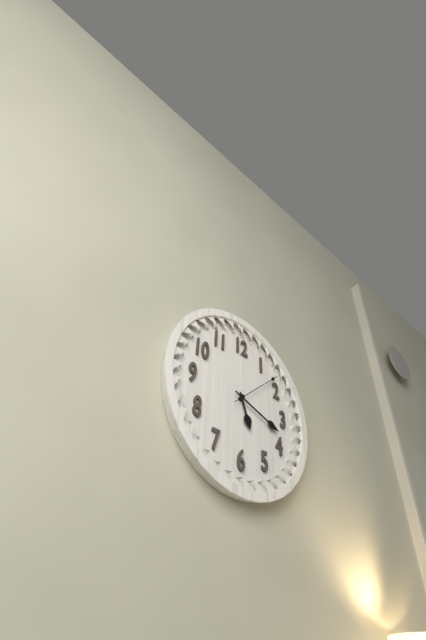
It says 5:18:08
